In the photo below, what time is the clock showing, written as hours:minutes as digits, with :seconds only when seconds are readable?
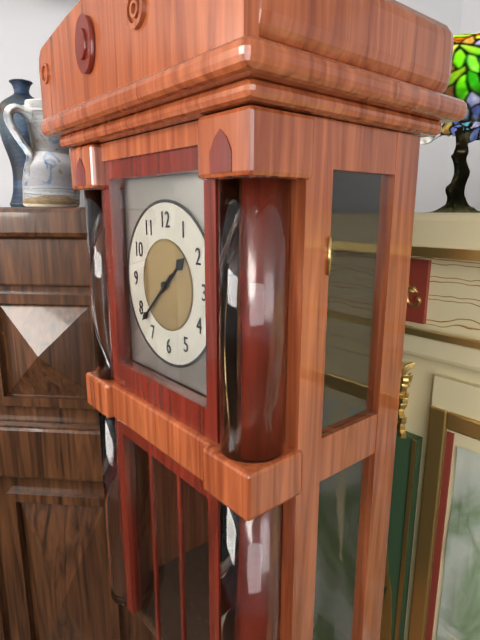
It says 1:38
